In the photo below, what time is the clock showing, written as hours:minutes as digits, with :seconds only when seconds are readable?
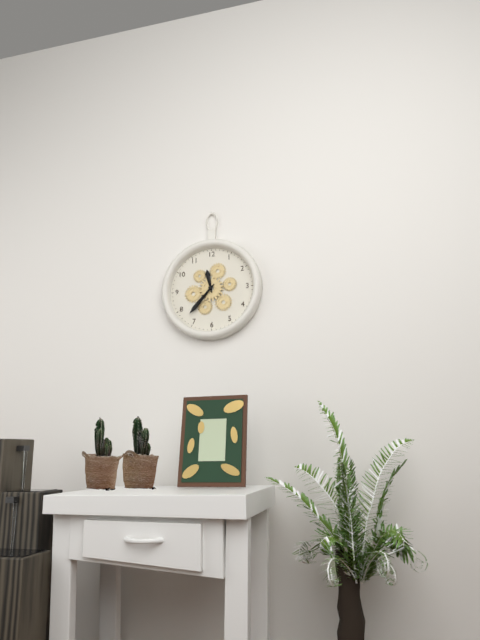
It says 11:37
